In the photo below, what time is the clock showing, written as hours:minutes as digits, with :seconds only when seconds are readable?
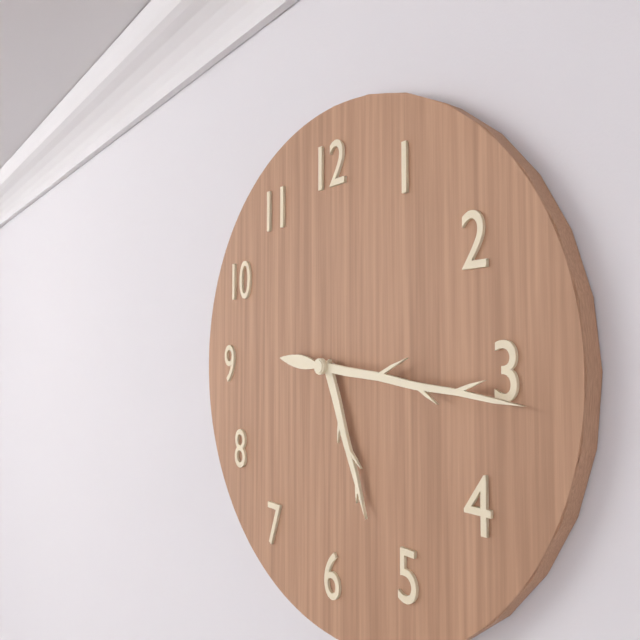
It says 5:16
